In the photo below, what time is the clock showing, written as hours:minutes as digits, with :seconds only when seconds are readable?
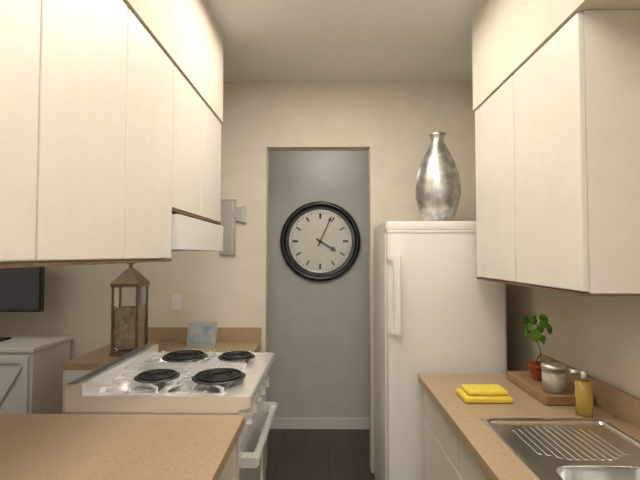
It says 4:04
